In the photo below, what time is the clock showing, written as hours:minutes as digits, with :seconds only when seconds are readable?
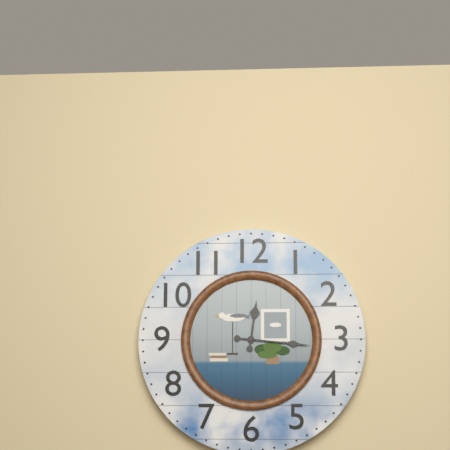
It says 12:16
